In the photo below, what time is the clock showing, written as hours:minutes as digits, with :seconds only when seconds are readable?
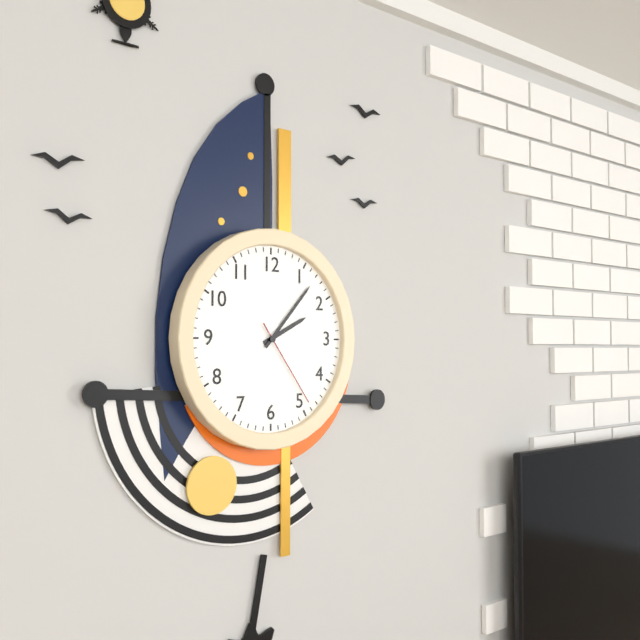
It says 2:07:24
